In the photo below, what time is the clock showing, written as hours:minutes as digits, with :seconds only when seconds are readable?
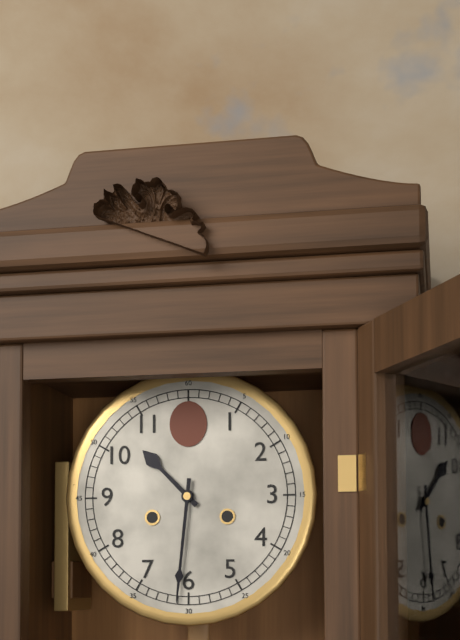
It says 10:31
